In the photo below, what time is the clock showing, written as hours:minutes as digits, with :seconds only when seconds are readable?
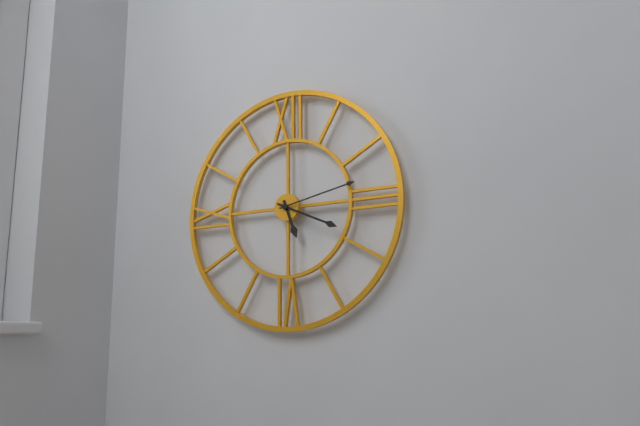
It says 5:19:13
